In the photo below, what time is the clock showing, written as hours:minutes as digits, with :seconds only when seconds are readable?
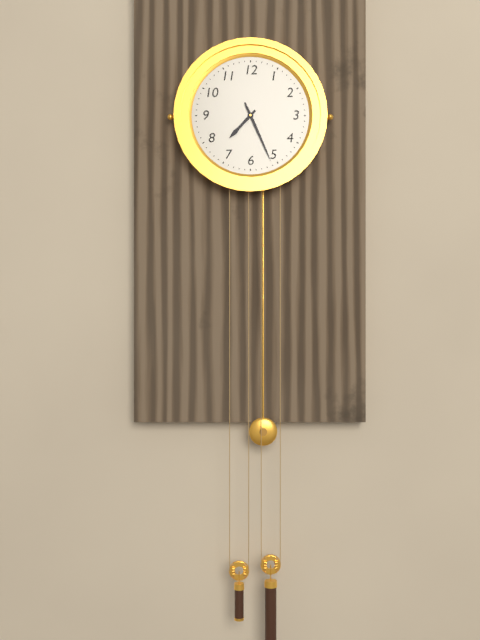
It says 7:26
